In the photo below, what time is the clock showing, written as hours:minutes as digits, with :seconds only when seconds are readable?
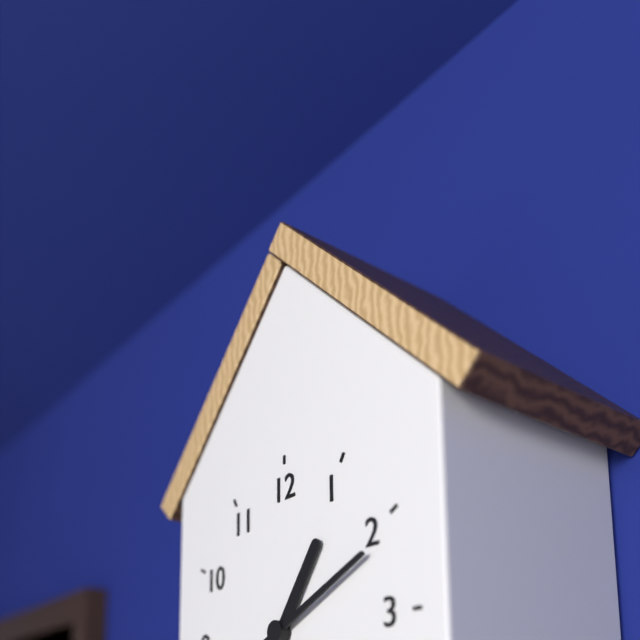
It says 1:11
